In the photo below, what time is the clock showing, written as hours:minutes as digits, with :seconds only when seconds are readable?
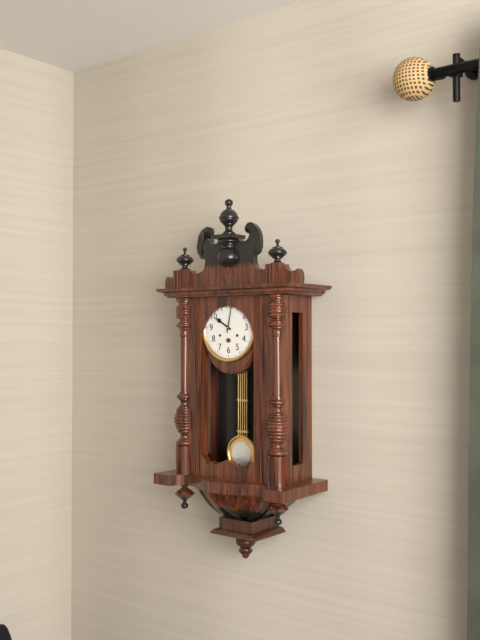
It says 10:02
